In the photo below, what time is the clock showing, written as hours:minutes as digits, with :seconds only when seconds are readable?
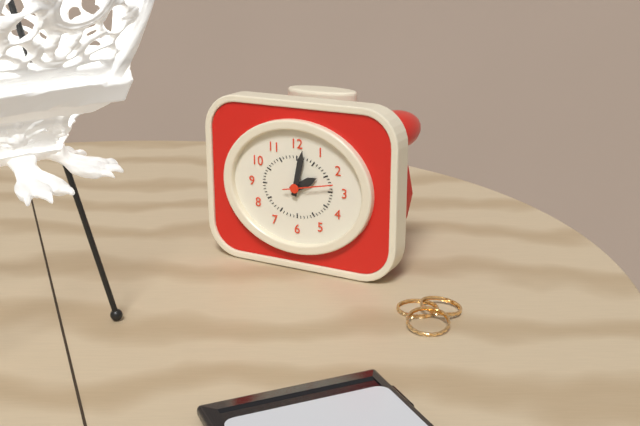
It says 2:02
